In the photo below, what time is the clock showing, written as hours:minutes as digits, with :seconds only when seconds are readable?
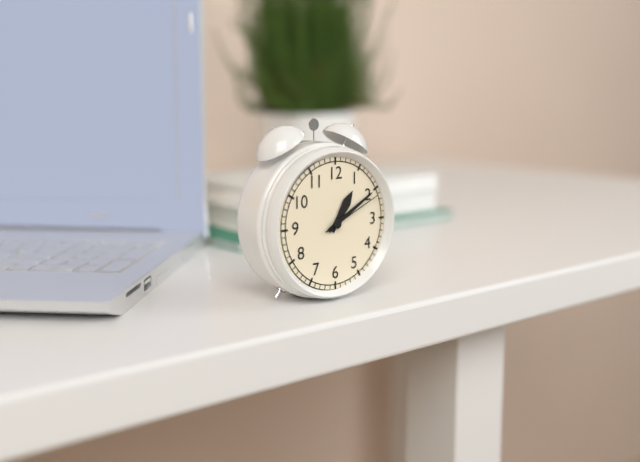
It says 1:10:11
